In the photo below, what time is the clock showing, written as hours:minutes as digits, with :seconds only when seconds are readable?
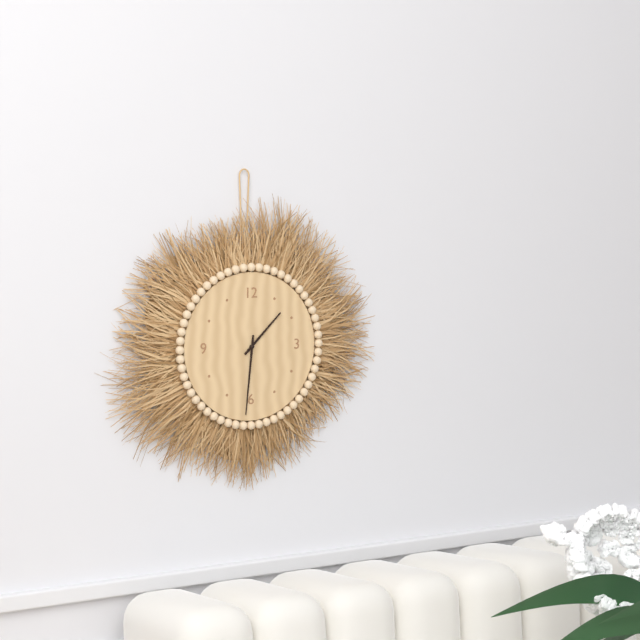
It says 1:31
